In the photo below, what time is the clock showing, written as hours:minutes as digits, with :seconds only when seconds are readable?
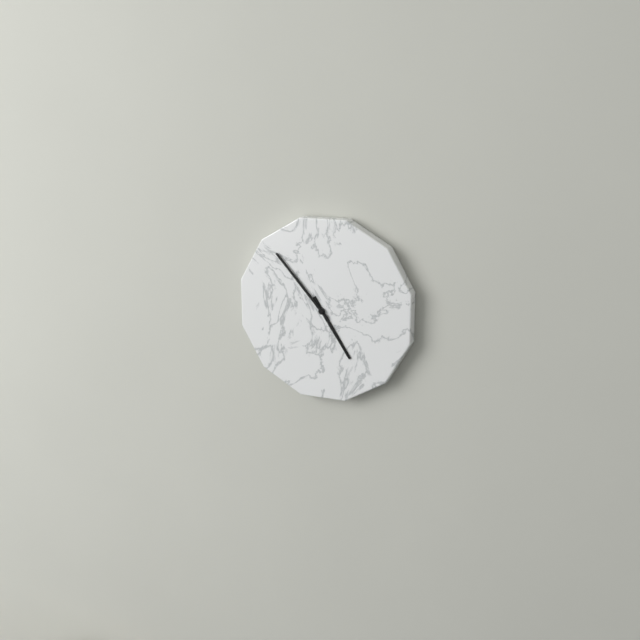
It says 4:53
